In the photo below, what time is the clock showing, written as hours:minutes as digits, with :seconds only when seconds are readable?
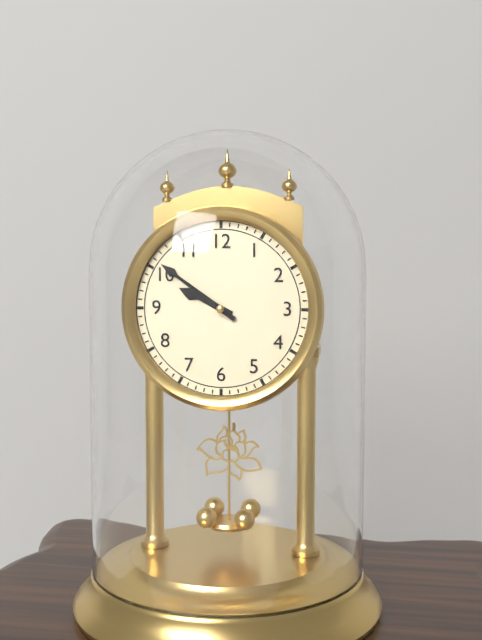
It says 9:51
